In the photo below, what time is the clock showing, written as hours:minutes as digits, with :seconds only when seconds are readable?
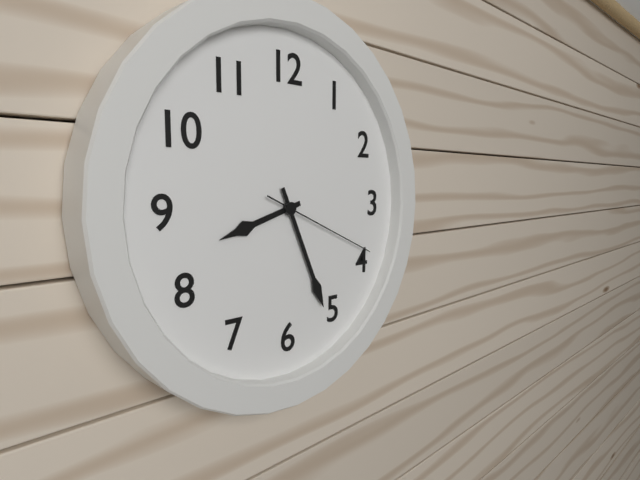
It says 8:26:19
